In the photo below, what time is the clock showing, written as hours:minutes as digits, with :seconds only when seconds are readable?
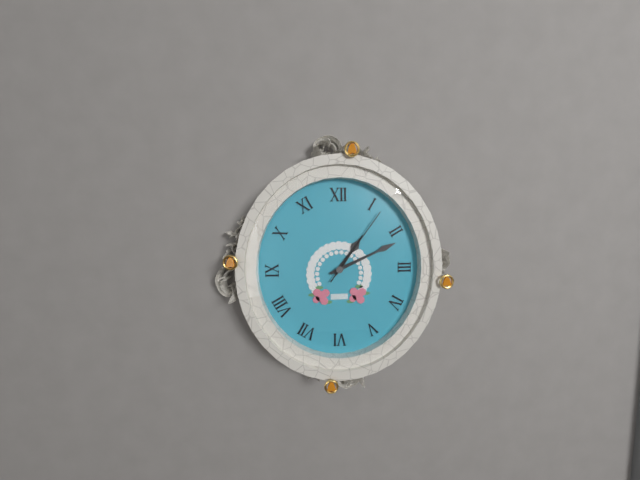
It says 1:11:06
